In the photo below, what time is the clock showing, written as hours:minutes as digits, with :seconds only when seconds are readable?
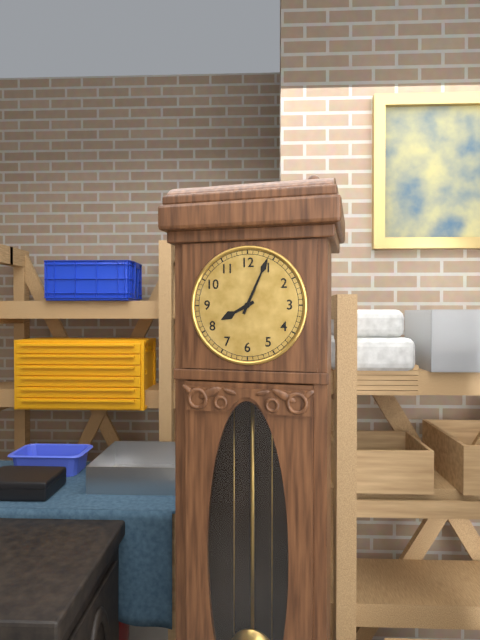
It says 8:04
